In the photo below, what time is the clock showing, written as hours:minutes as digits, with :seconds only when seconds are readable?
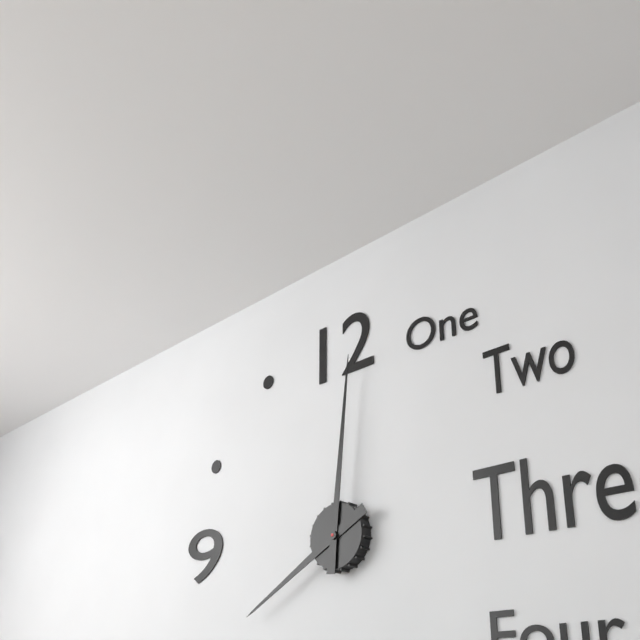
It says 8:01
